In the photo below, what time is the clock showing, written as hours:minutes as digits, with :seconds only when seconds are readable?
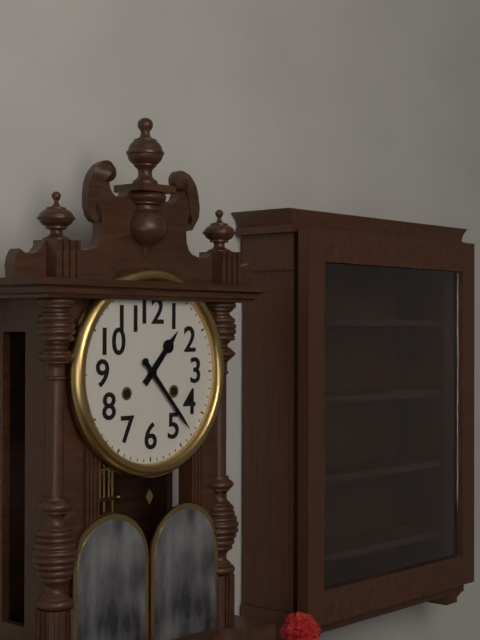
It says 1:23
